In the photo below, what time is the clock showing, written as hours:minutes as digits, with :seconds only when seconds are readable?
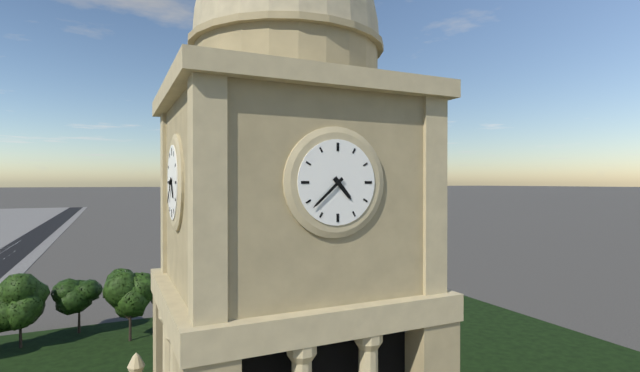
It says 4:38
